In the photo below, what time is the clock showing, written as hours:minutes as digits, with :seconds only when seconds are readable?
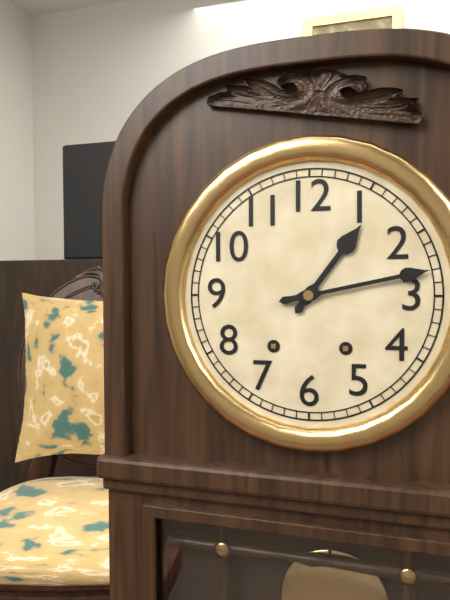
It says 1:13
